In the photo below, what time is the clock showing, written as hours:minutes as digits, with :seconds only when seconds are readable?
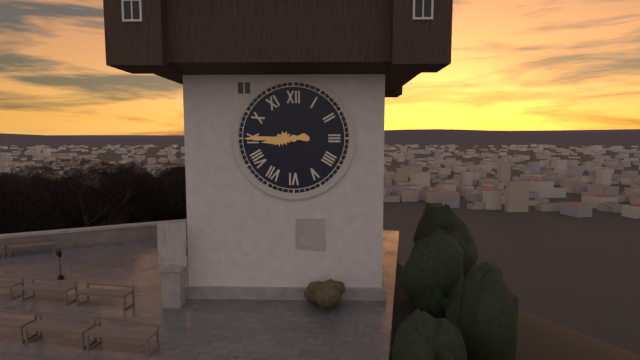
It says 8:45
